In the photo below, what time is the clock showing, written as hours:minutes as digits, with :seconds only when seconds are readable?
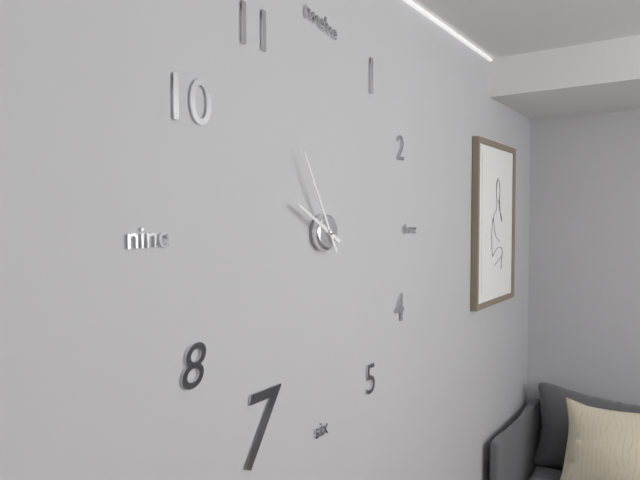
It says 9:55
